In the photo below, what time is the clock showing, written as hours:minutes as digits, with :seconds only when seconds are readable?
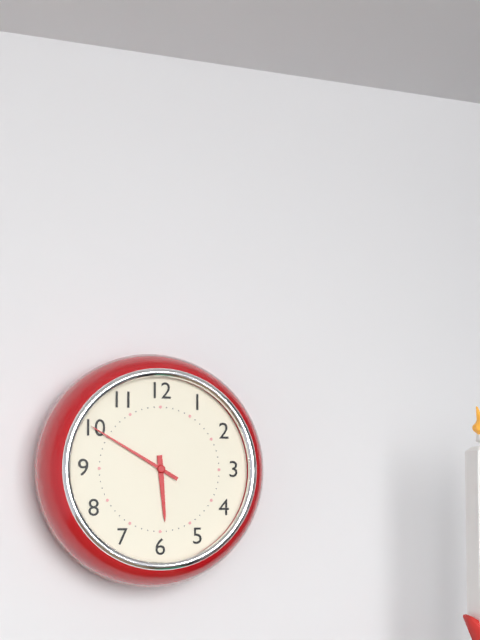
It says 5:50
